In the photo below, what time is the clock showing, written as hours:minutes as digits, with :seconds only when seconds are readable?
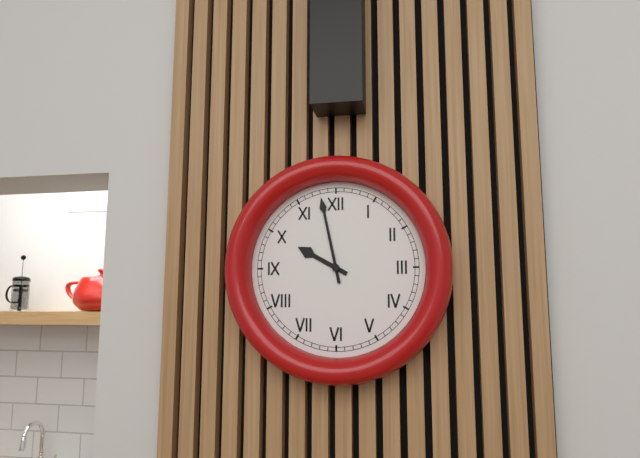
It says 9:58
